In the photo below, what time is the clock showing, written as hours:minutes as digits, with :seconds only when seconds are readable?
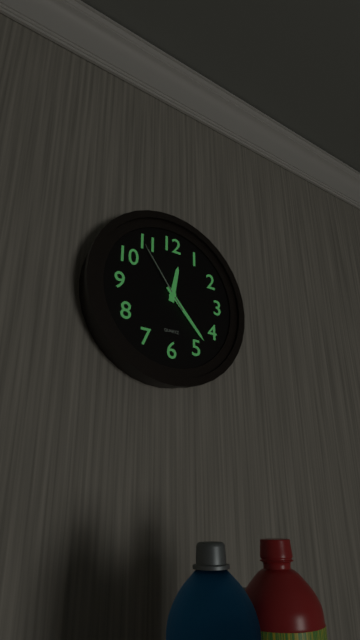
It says 12:23:54
